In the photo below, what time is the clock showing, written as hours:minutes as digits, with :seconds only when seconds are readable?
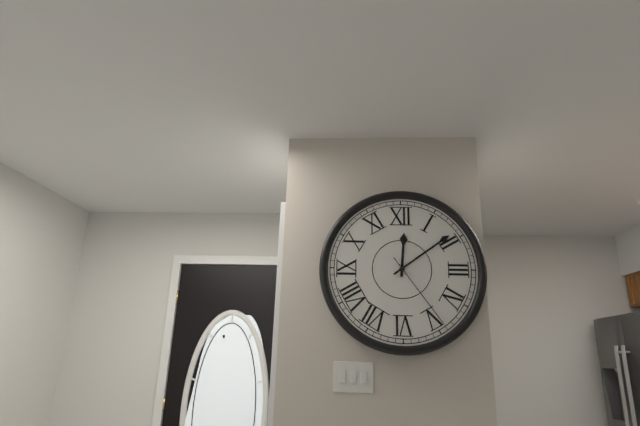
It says 12:09:24
